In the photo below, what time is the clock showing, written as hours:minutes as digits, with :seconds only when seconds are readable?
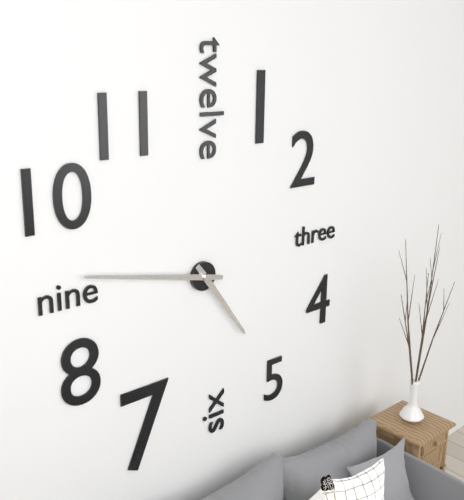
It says 4:47
